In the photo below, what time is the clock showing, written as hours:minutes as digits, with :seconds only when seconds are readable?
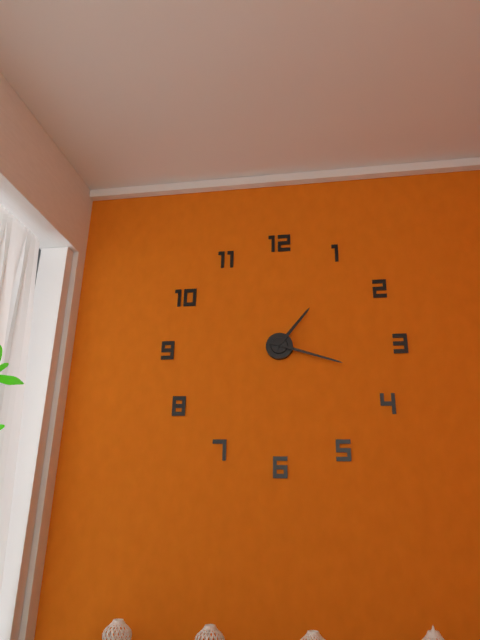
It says 1:18
